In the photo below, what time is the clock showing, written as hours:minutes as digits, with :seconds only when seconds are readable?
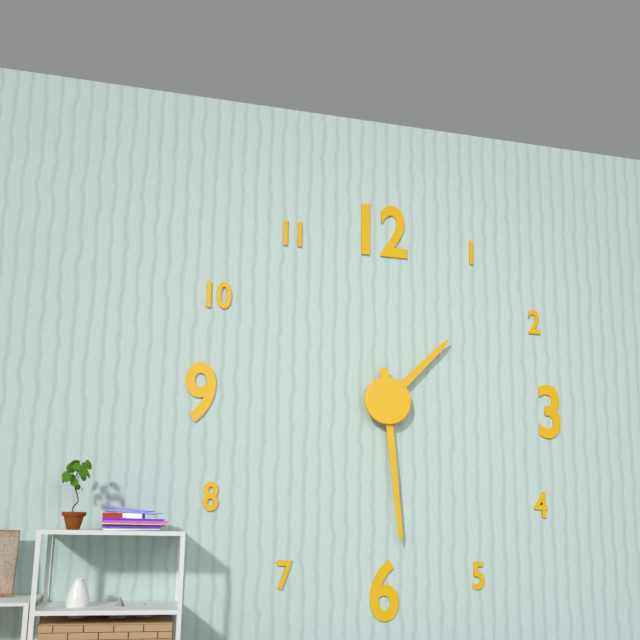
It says 1:29
